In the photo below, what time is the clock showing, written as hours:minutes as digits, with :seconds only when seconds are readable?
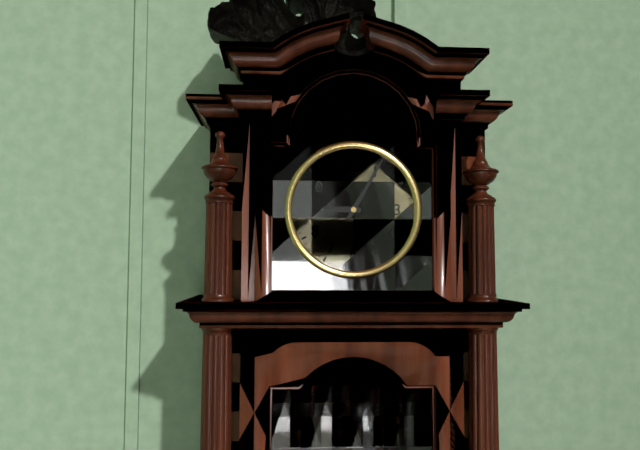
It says 9:05
